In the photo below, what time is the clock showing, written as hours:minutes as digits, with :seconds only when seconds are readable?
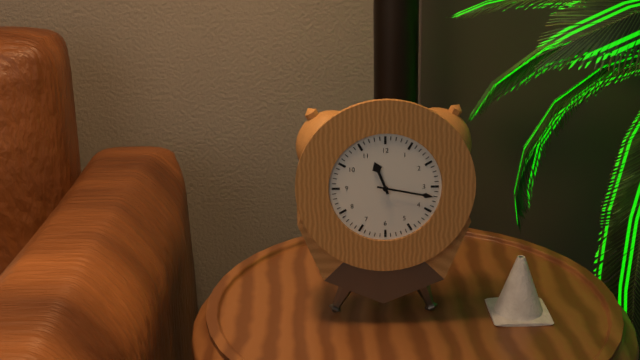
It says 11:17
